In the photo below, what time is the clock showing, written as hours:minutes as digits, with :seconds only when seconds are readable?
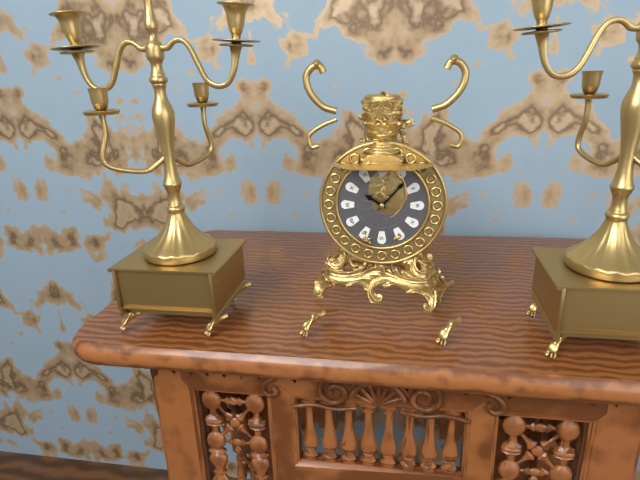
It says 10:07
